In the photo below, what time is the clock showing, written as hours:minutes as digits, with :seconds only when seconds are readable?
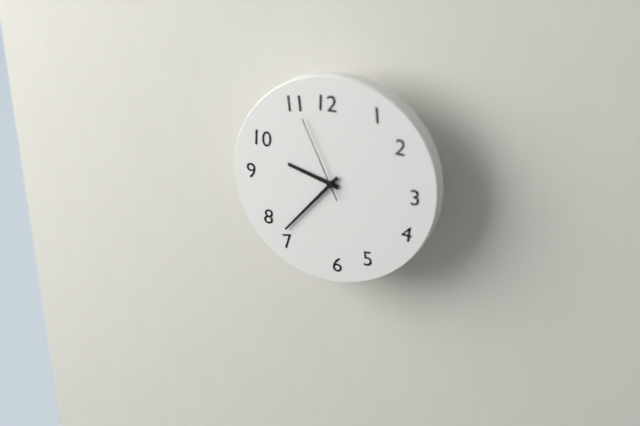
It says 9:37:56
